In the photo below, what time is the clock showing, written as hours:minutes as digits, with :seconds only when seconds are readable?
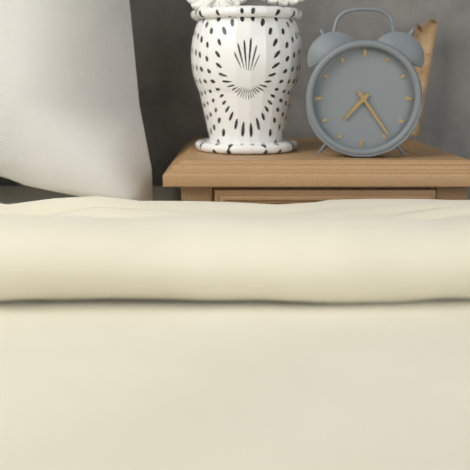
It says 7:24
